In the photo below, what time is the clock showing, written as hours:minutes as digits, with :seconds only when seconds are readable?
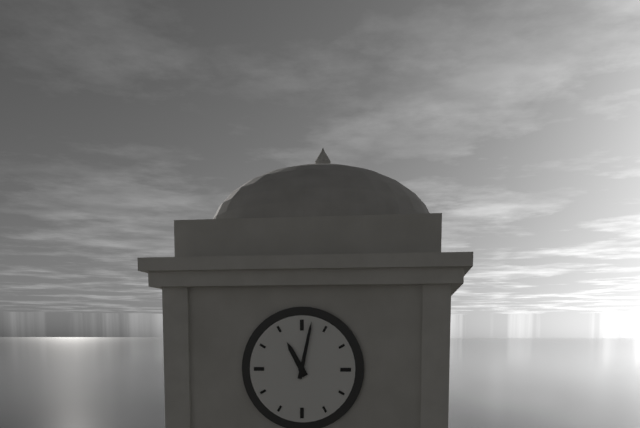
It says 11:02
